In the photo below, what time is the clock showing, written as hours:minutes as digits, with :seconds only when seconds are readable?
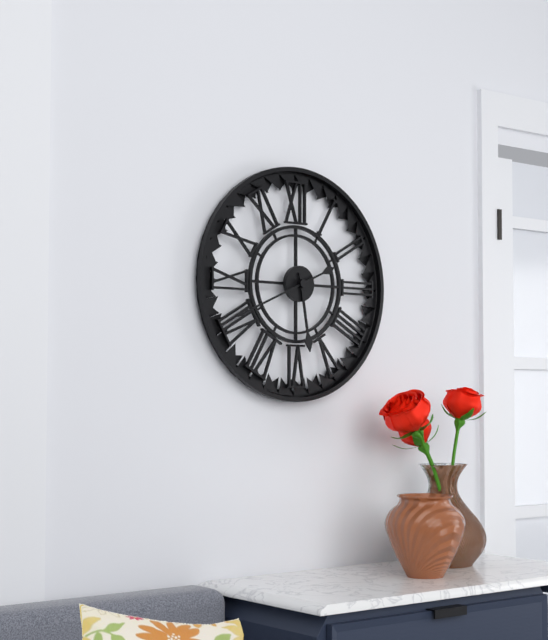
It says 5:41
